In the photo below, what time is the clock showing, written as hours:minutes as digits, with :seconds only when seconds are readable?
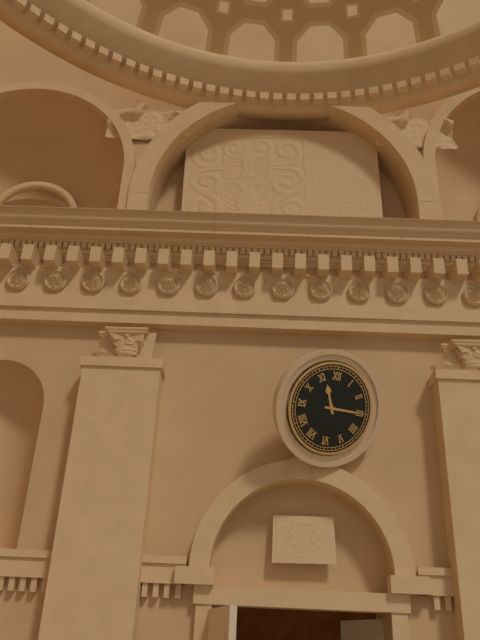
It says 11:15
